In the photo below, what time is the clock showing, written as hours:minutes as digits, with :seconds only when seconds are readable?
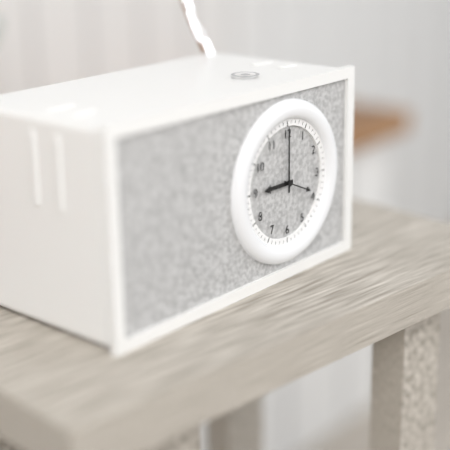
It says 9:00
